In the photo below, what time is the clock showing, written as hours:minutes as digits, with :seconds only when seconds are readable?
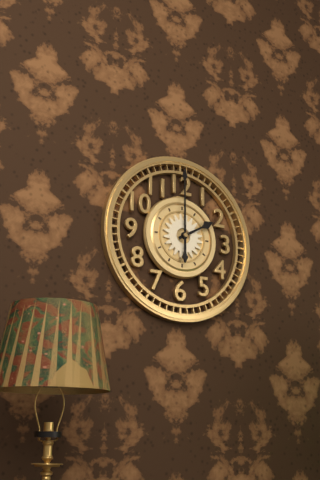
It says 2:00
